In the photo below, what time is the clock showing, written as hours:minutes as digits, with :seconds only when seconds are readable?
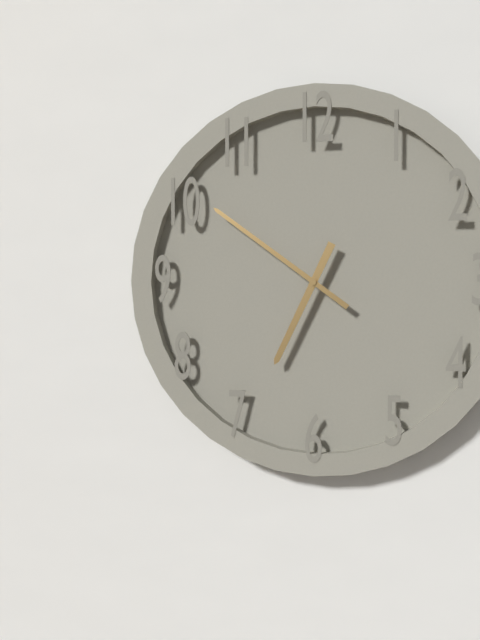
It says 6:51
